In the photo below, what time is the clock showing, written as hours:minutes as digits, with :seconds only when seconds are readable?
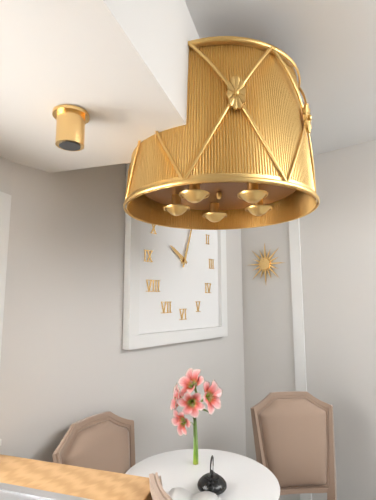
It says 10:03
